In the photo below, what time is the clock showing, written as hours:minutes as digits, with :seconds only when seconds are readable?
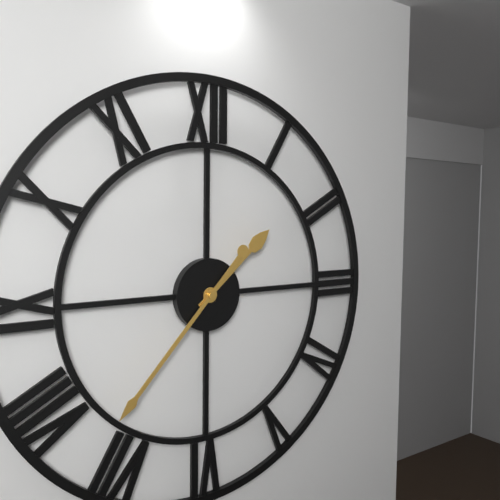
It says 1:37
